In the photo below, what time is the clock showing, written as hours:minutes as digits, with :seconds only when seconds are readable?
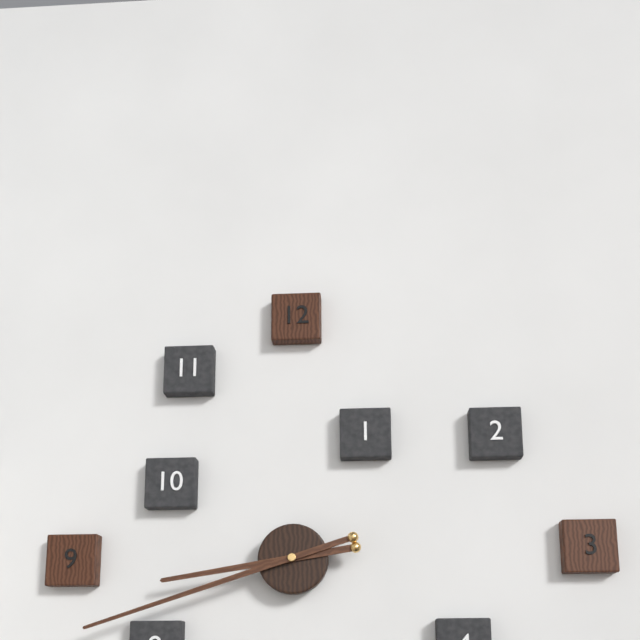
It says 8:42
